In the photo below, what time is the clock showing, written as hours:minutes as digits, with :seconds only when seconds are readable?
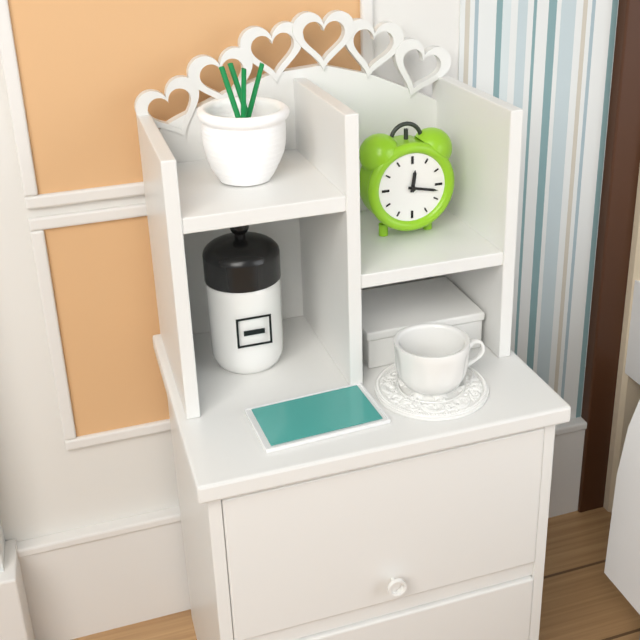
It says 12:17
